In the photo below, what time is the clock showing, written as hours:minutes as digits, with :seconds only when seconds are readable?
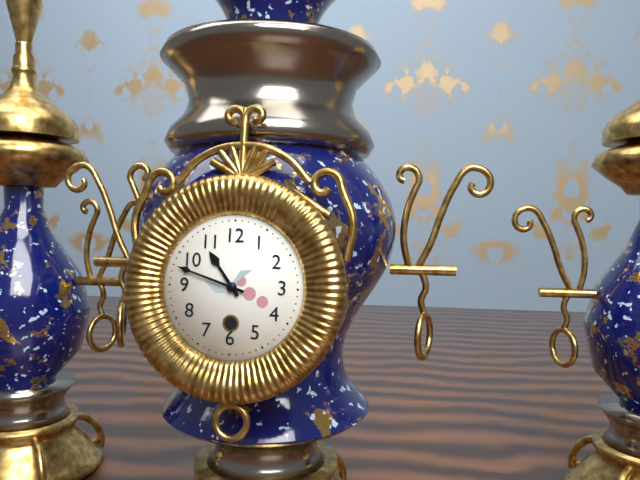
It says 10:48
